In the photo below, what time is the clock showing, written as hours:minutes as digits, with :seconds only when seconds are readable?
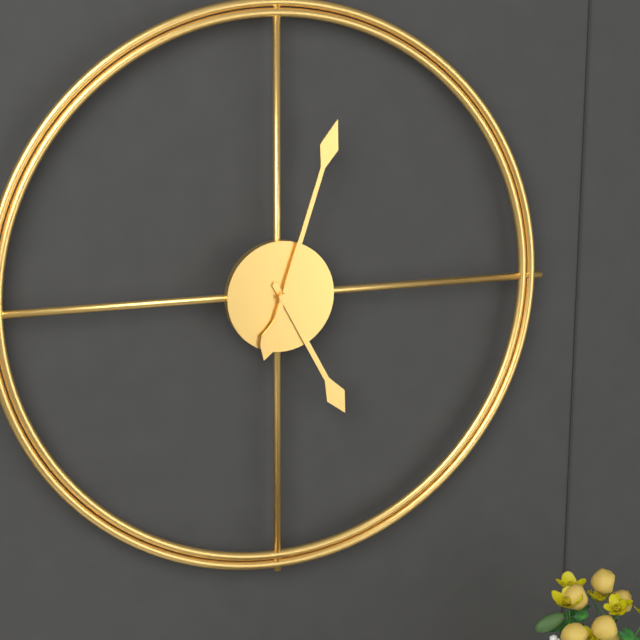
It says 5:03
